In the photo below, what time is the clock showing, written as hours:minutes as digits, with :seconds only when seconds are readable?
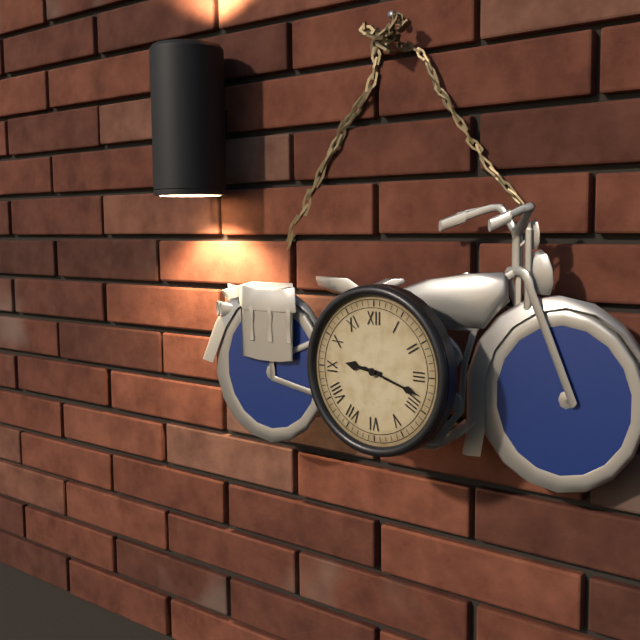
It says 9:18
